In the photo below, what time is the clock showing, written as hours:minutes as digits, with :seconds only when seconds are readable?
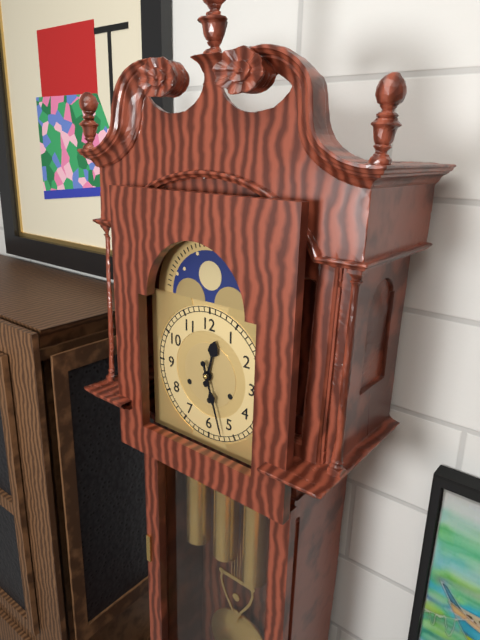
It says 12:27
